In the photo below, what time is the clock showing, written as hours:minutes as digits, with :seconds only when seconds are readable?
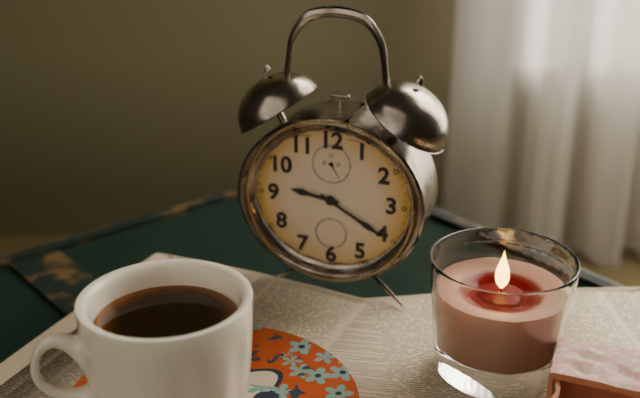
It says 9:20
